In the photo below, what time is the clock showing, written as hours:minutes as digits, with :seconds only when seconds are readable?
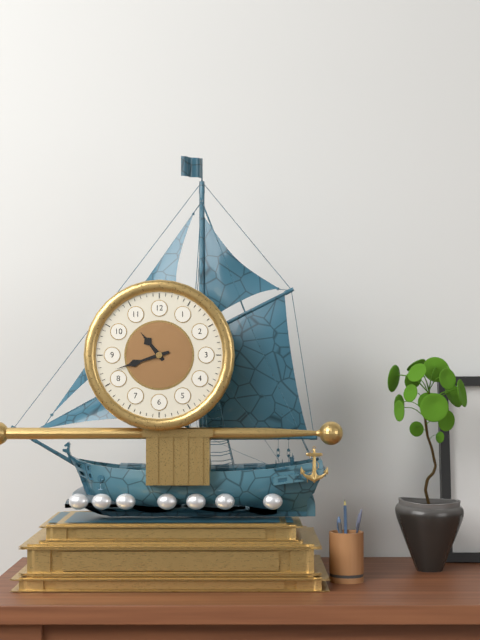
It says 10:42
